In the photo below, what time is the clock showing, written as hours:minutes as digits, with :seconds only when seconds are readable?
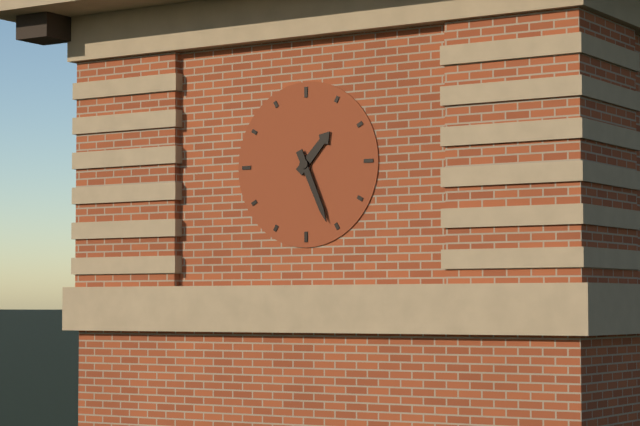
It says 1:26
